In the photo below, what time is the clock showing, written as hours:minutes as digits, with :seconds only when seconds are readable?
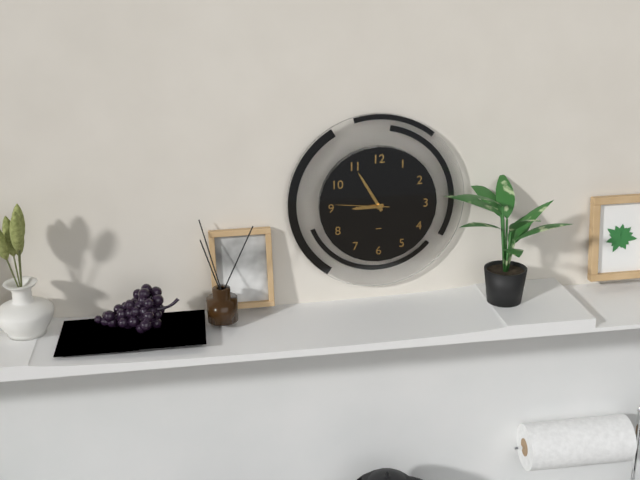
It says 8:55:46
